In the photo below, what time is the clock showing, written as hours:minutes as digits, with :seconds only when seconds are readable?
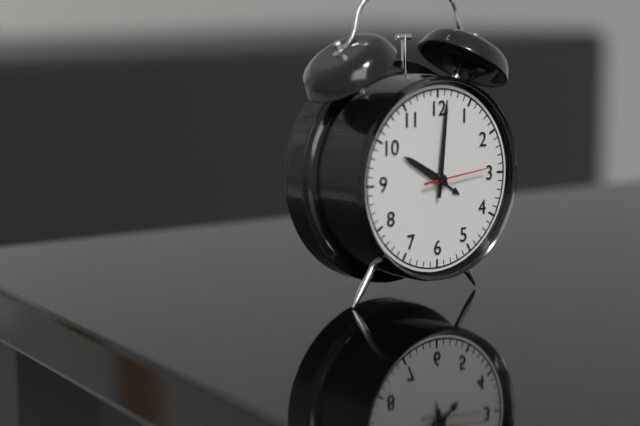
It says 10:01:14
